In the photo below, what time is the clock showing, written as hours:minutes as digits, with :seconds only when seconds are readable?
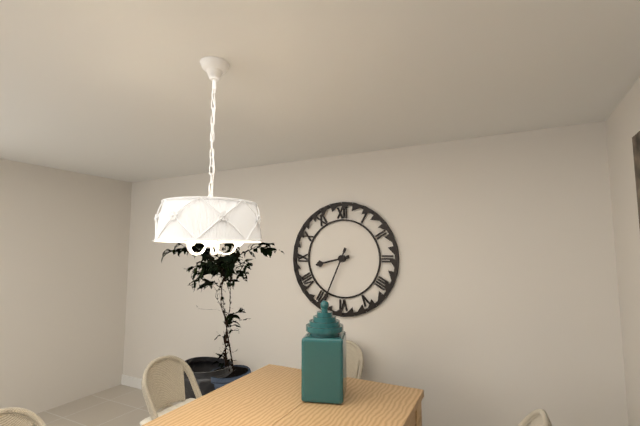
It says 8:34
